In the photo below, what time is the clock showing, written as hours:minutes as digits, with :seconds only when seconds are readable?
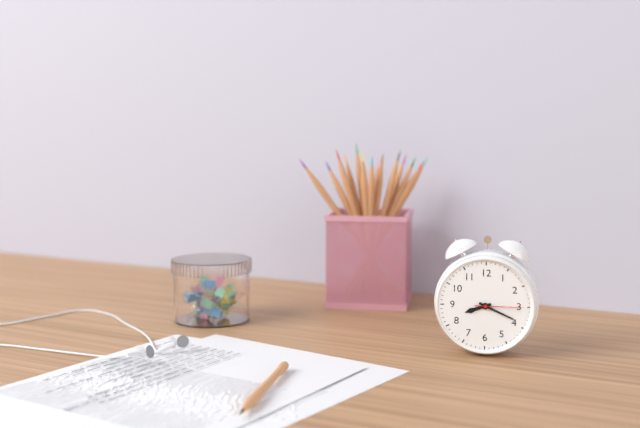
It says 8:19
